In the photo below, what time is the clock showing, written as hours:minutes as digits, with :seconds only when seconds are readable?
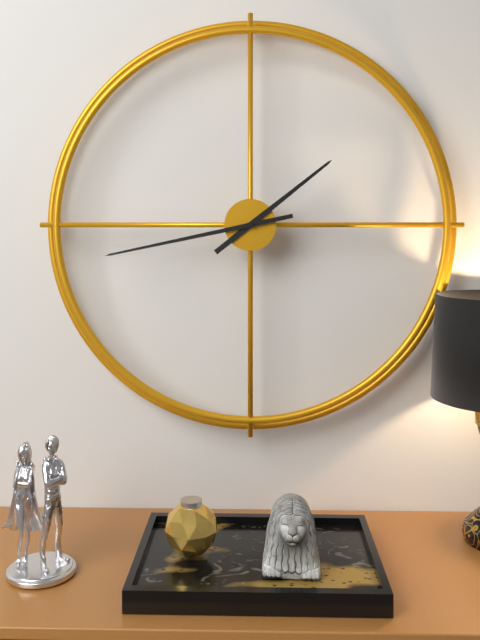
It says 1:43
